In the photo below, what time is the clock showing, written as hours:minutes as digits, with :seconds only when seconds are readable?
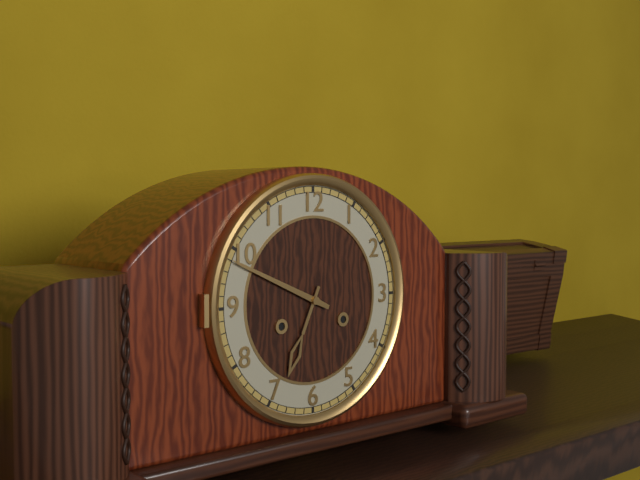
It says 6:49
